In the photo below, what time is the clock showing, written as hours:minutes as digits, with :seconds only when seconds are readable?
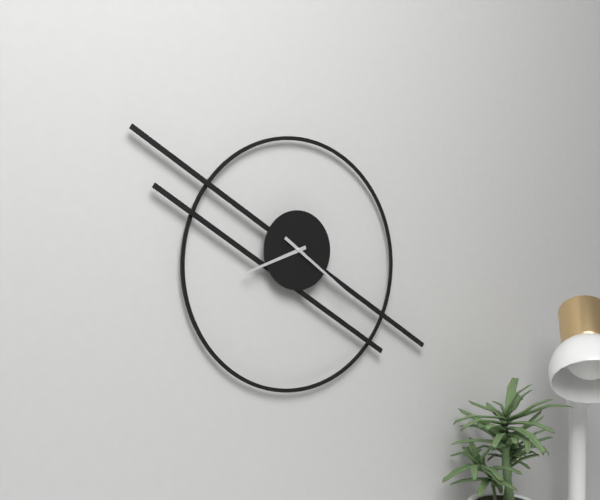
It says 8:21
